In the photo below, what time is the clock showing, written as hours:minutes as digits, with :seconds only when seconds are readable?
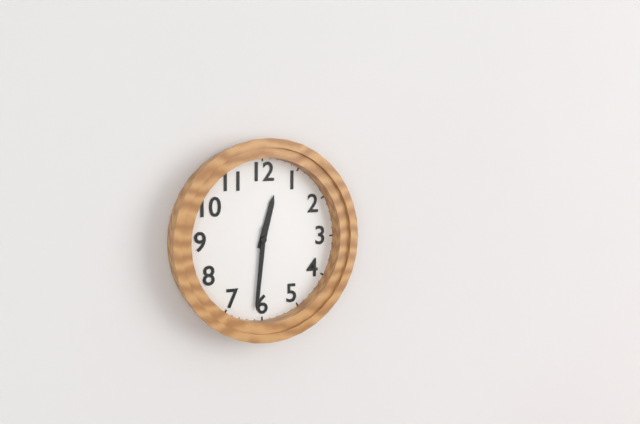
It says 12:31
